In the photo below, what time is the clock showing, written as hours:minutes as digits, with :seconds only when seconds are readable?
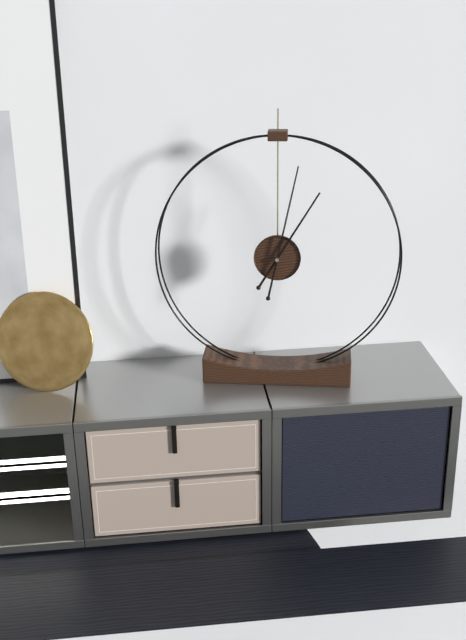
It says 1:02
